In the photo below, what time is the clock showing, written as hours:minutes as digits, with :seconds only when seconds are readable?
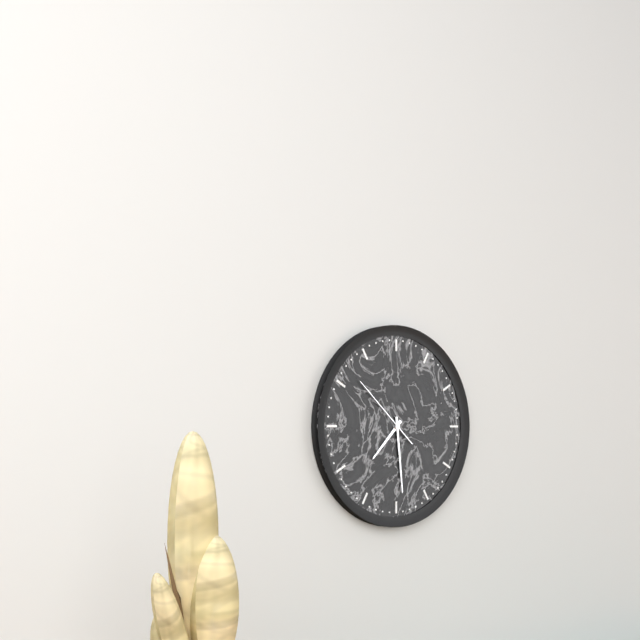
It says 7:29:52
